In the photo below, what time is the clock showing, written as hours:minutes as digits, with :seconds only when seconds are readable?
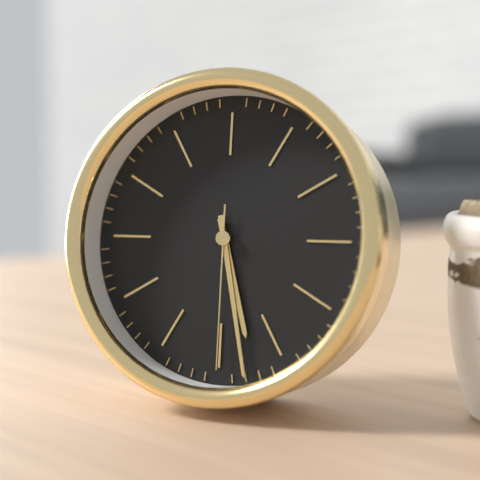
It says 5:28:30
